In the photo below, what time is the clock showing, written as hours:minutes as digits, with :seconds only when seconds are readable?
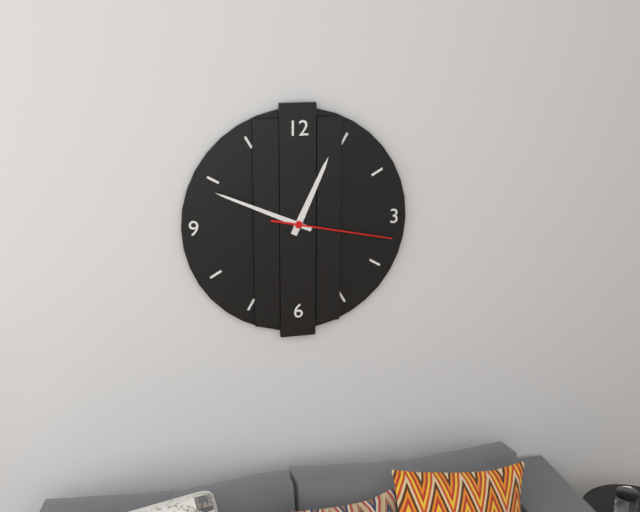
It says 12:49:17
